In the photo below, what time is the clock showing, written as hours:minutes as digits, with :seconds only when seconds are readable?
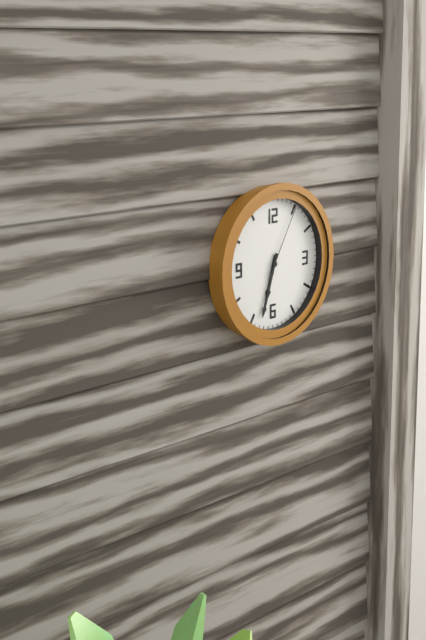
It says 6:33:05
